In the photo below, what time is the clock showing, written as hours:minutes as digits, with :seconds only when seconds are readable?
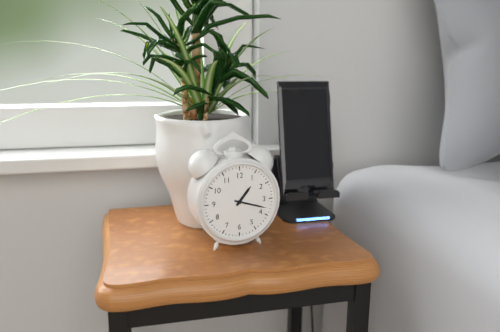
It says 1:18
